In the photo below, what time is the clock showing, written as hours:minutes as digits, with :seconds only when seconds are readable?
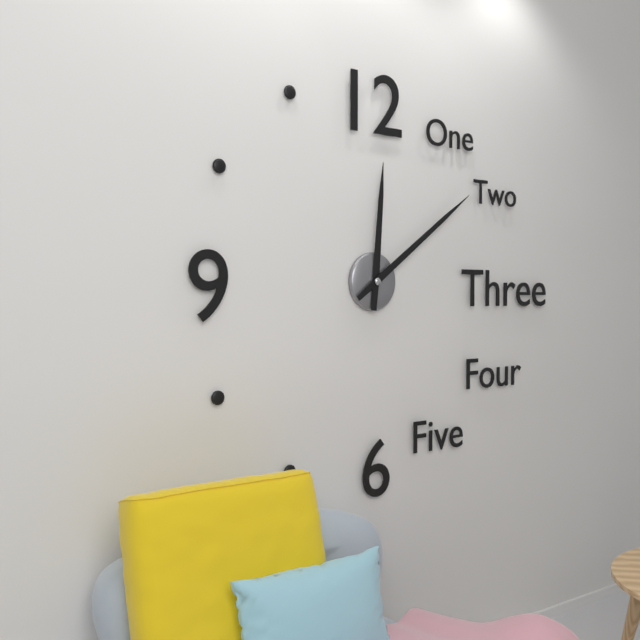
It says 12:09
